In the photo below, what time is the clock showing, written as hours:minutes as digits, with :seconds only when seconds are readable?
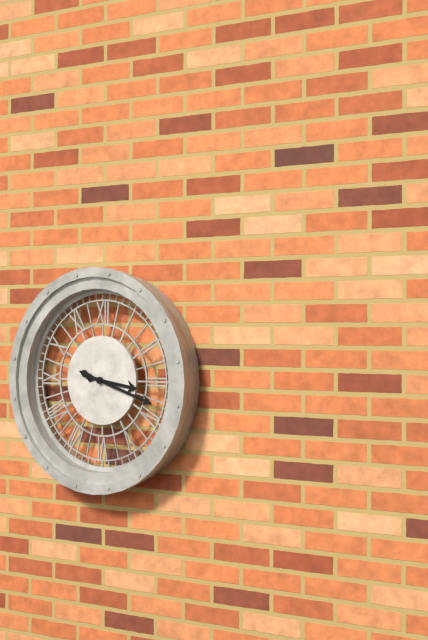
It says 3:18
